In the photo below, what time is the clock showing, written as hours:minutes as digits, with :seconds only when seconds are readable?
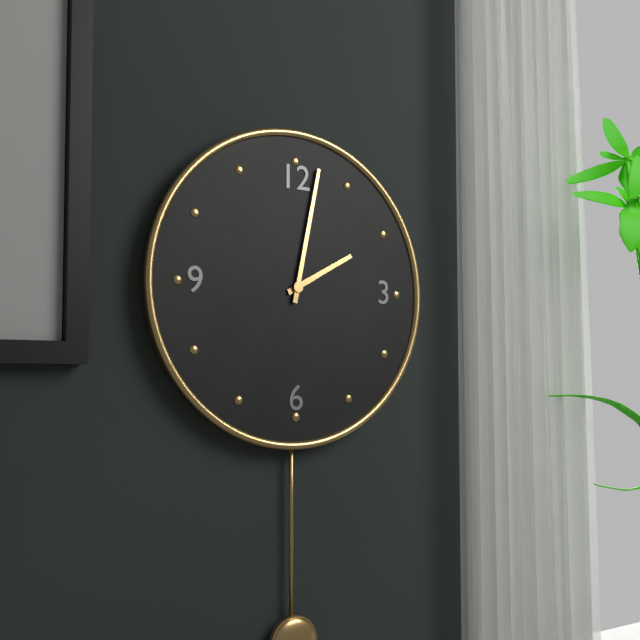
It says 2:02
